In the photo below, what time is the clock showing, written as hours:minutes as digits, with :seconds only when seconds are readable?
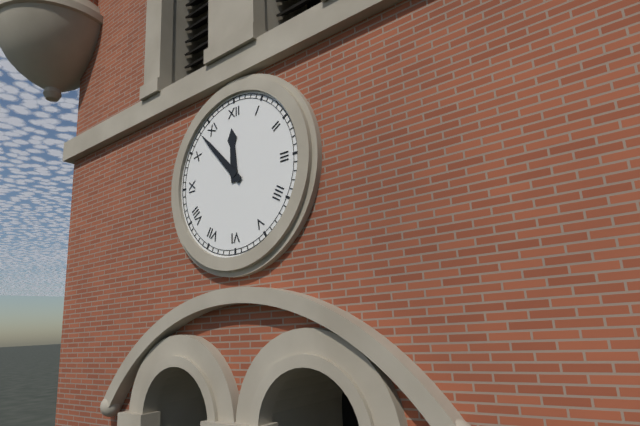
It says 11:53
